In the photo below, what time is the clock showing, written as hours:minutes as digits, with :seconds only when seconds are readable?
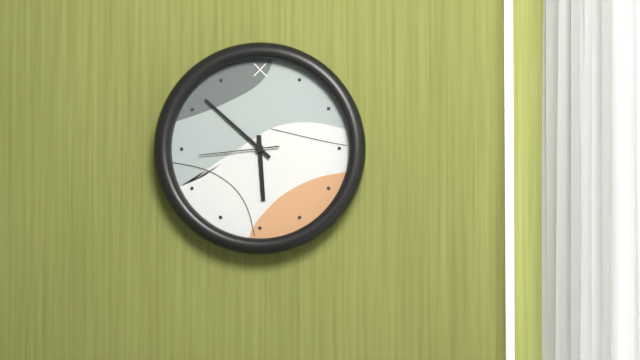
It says 5:52:44
